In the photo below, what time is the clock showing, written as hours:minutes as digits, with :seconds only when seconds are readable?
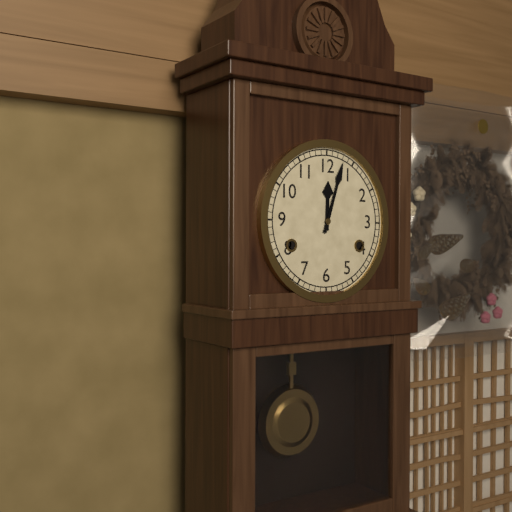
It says 12:03
